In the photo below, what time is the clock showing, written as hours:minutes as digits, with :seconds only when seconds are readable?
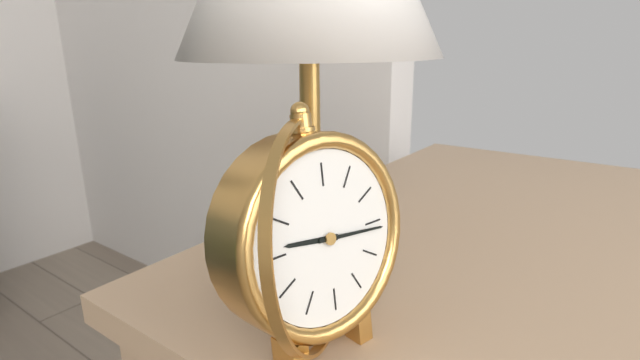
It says 9:16
